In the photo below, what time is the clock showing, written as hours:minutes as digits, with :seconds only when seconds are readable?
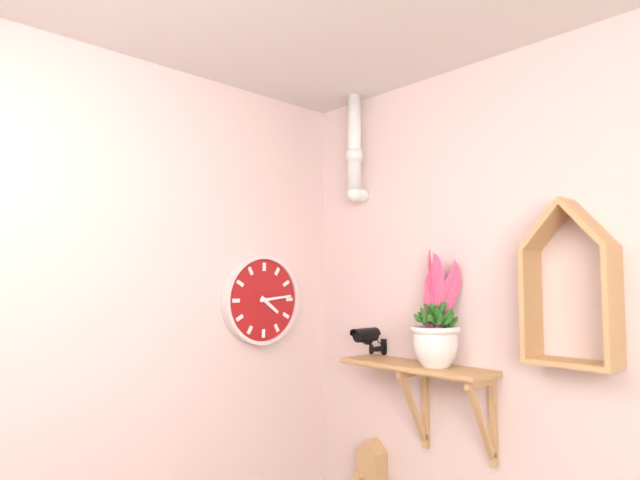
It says 4:14
